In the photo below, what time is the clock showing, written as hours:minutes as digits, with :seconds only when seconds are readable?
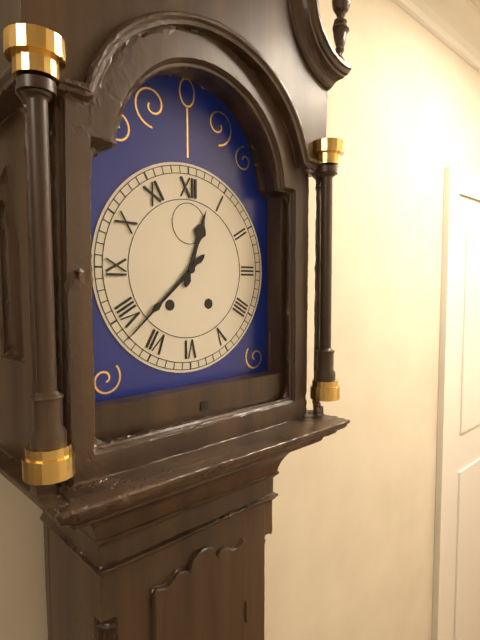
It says 12:38
